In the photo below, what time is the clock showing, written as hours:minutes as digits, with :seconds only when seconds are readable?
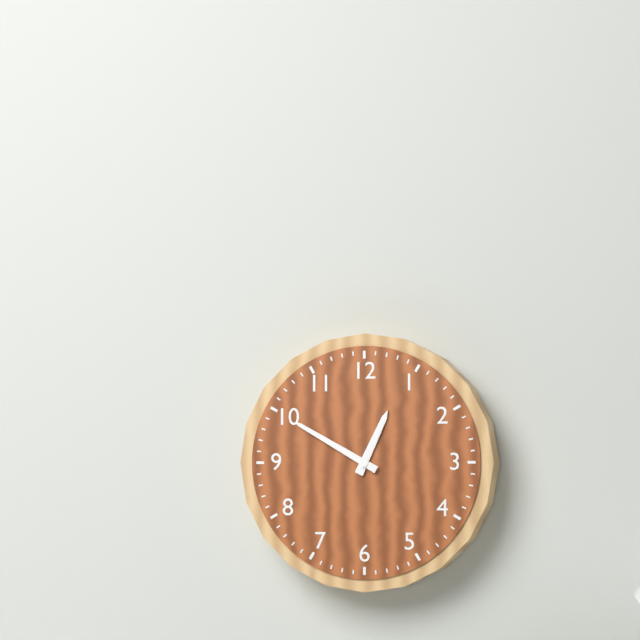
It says 12:50
